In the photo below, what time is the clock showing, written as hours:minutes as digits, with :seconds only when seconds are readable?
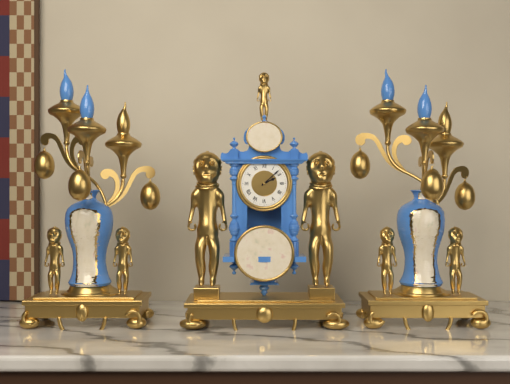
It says 2:08
